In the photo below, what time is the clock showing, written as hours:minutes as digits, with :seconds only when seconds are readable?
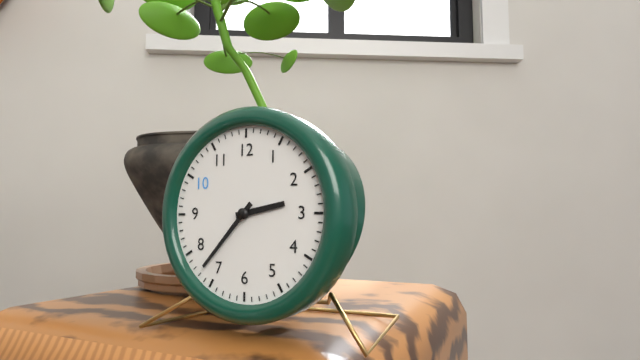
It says 2:37
